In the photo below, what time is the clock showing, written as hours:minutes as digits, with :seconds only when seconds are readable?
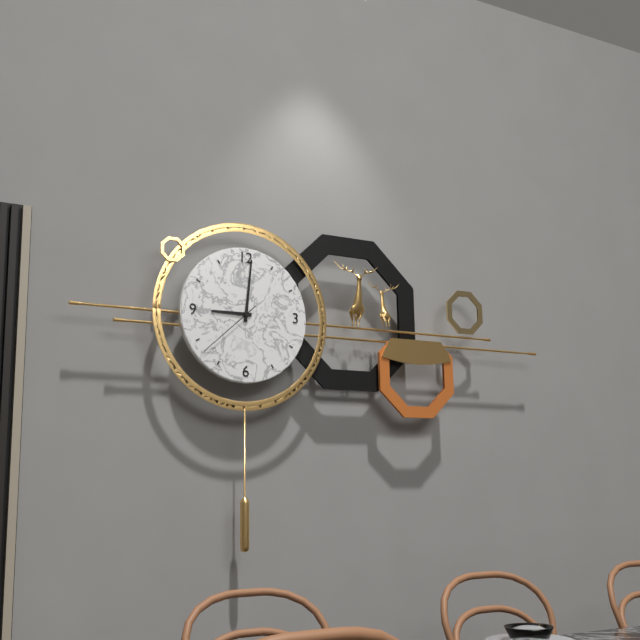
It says 9:01:38
